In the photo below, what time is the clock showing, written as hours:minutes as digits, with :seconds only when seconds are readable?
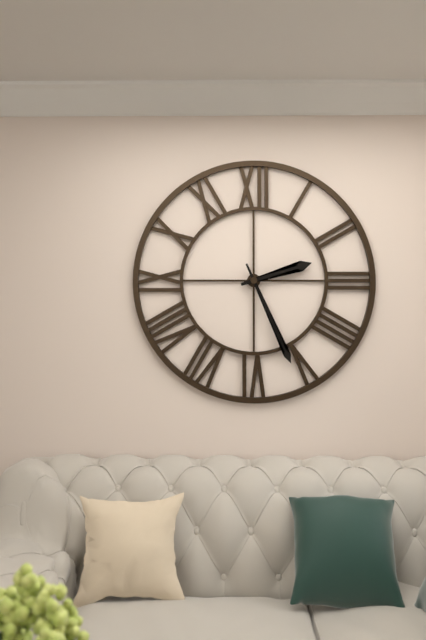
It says 2:26
